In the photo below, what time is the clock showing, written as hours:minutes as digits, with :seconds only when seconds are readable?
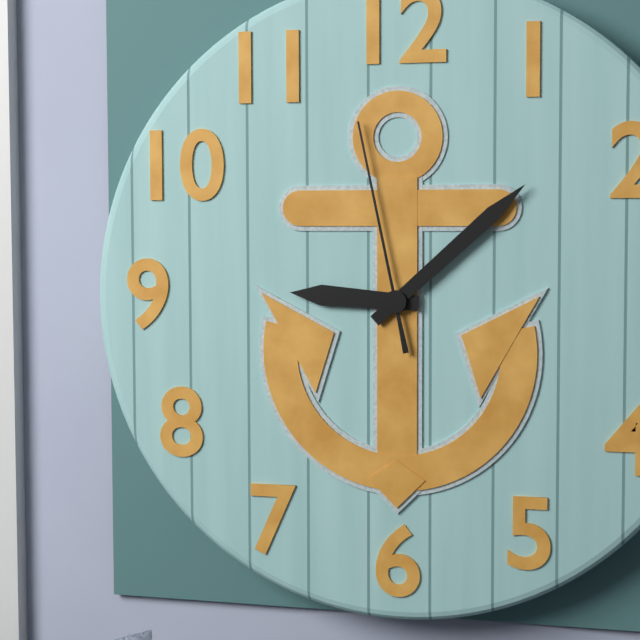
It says 9:08:58
